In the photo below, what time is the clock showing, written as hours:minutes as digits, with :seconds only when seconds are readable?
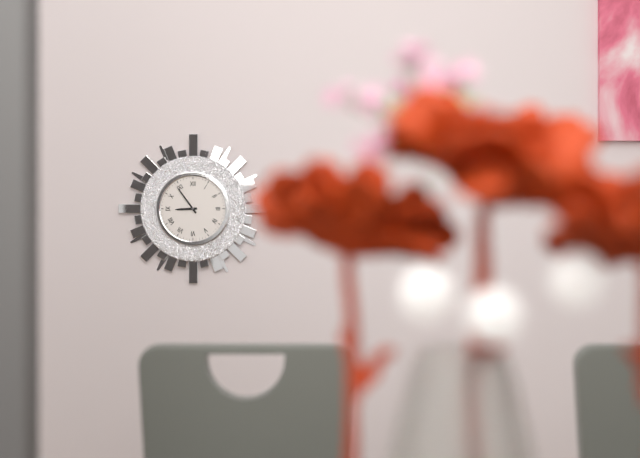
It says 8:54
